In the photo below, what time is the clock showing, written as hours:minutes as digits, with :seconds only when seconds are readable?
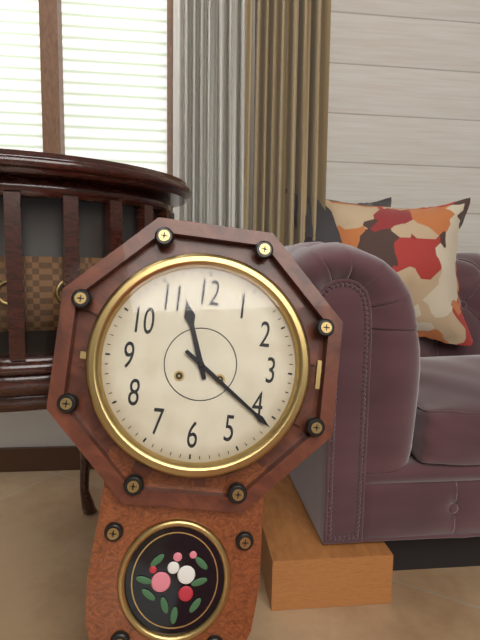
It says 11:21
